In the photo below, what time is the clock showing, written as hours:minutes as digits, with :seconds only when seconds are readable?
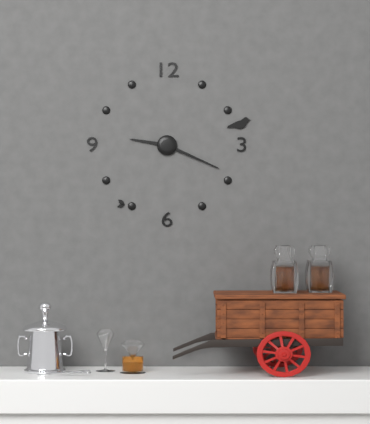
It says 9:19
